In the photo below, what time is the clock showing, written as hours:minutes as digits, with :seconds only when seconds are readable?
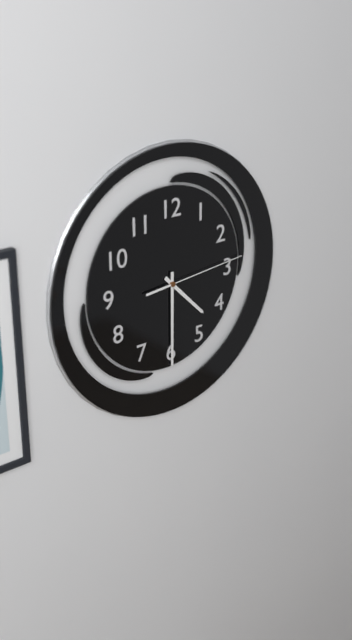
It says 4:30:14
